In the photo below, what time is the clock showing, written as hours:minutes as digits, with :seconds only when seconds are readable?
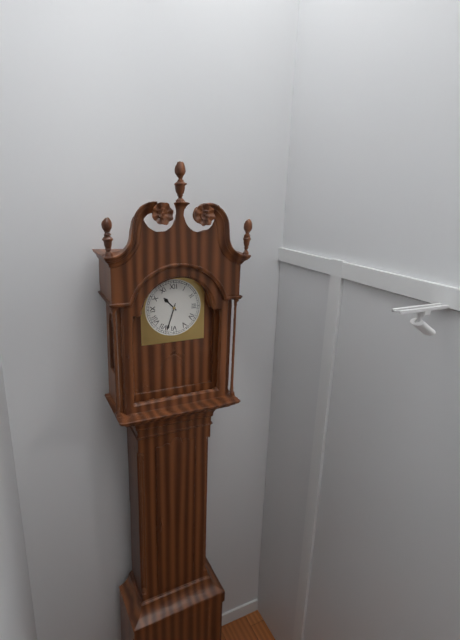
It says 10:33
